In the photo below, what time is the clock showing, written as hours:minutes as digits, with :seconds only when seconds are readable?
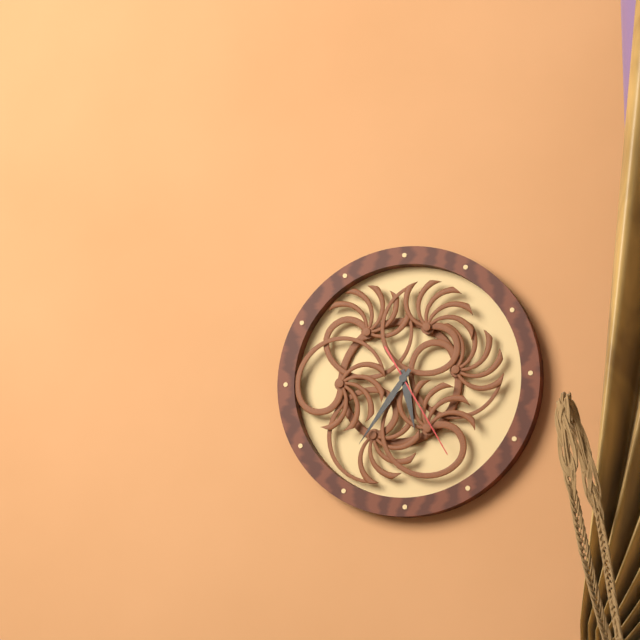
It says 5:36:25
